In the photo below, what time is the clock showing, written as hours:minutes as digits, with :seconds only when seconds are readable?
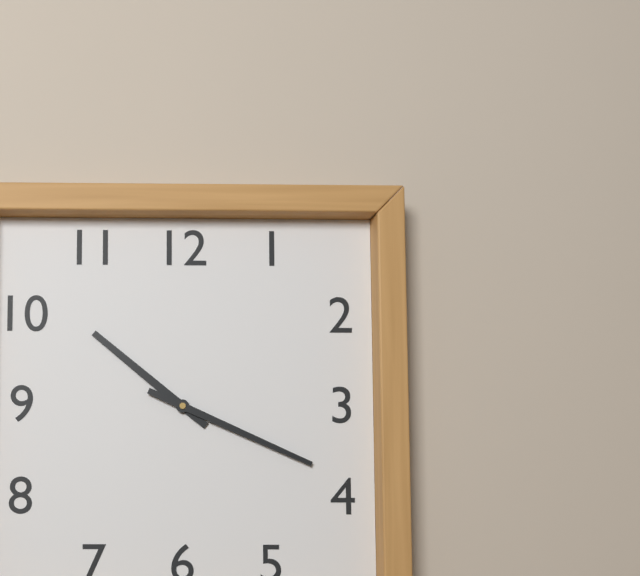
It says 10:19
